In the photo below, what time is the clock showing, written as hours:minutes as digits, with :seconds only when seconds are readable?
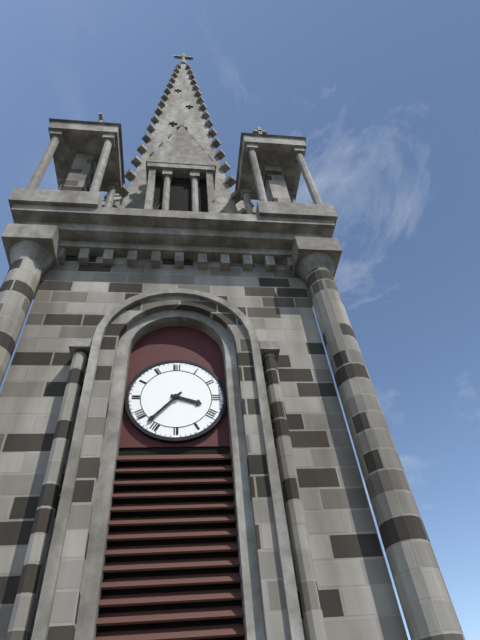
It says 3:37
